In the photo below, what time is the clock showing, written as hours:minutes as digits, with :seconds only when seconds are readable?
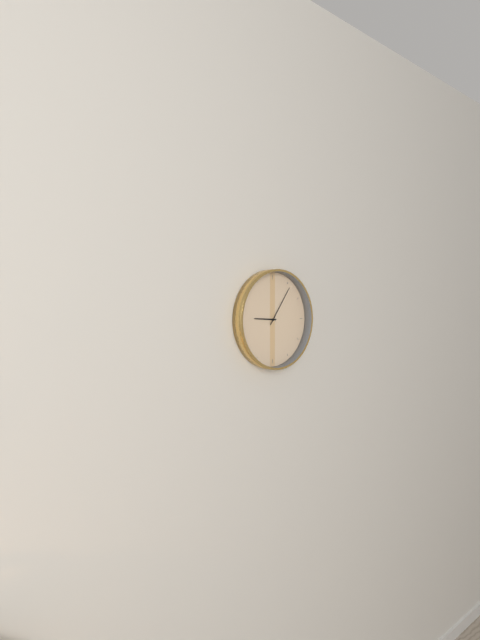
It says 9:06
